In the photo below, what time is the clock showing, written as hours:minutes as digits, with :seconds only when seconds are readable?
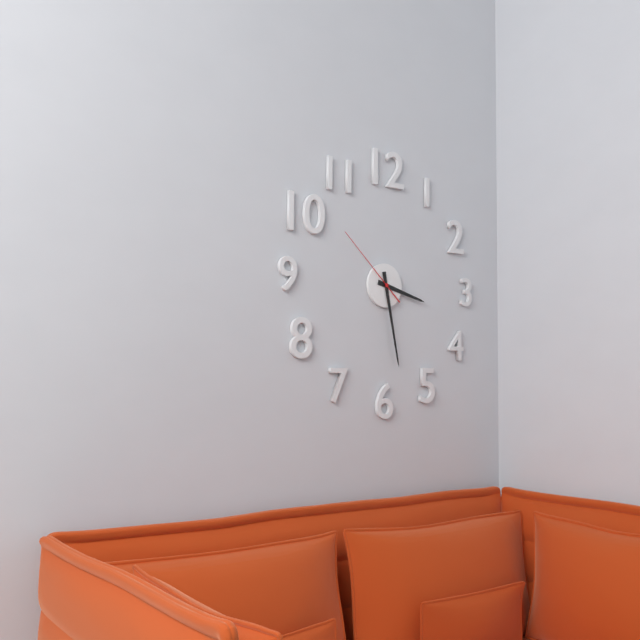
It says 3:28:52
